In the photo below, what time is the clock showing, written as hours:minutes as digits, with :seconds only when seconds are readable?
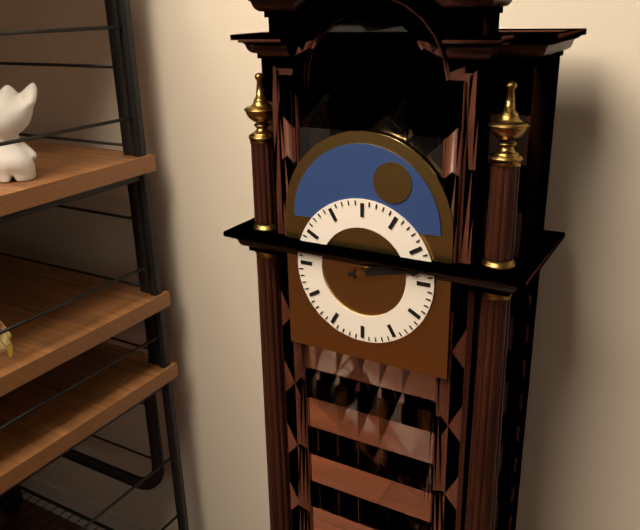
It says 2:13
